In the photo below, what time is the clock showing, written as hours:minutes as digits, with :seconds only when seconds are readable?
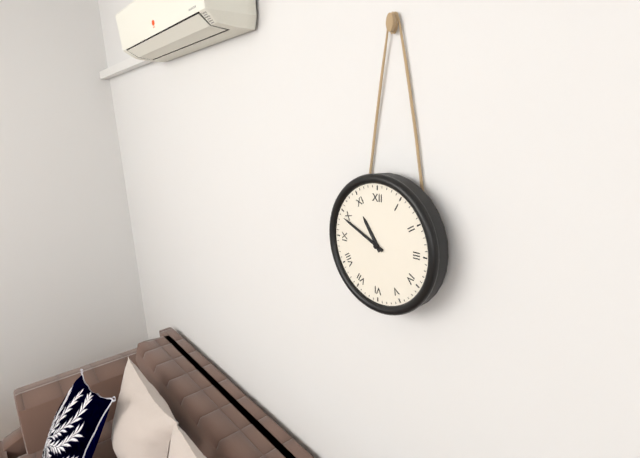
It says 10:49
